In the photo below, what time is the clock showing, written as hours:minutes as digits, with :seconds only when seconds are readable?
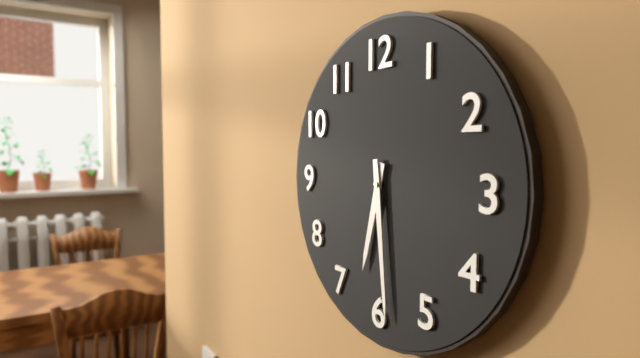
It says 6:29
